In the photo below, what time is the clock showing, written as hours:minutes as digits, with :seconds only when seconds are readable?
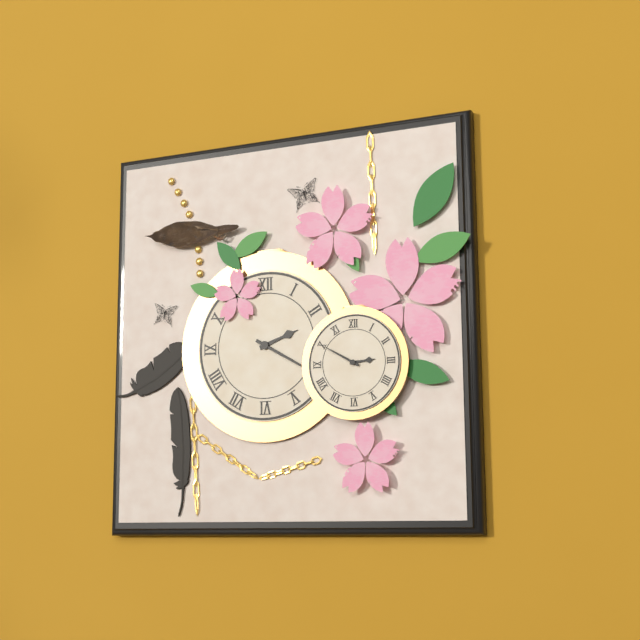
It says 2:20
